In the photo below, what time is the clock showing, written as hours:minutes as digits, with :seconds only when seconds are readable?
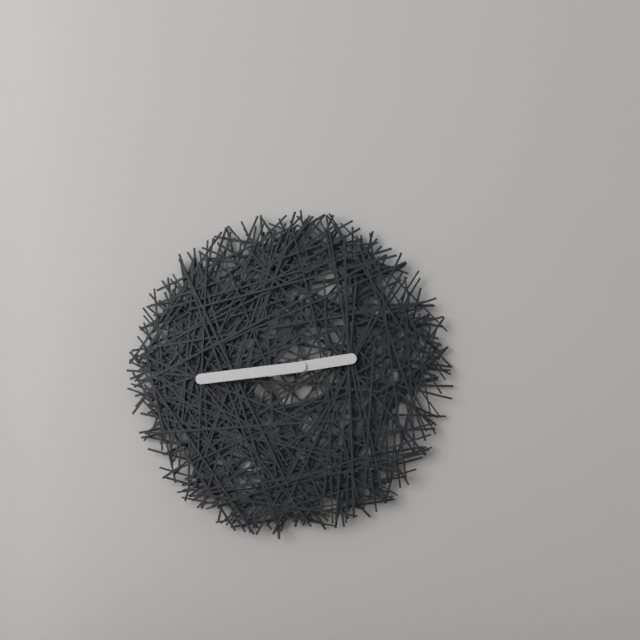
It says 2:44
